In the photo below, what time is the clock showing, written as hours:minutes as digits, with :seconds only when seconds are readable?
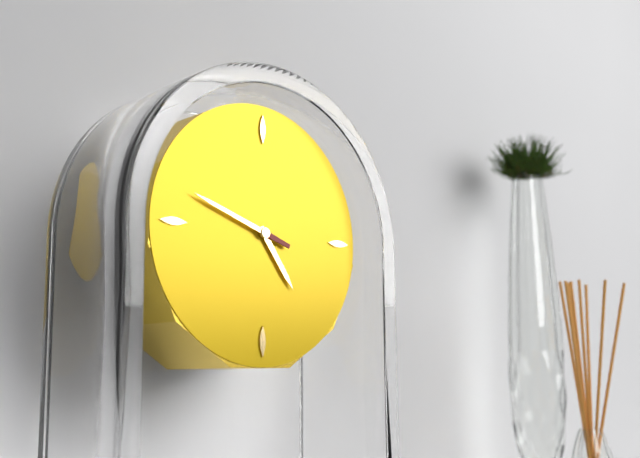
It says 4:48
